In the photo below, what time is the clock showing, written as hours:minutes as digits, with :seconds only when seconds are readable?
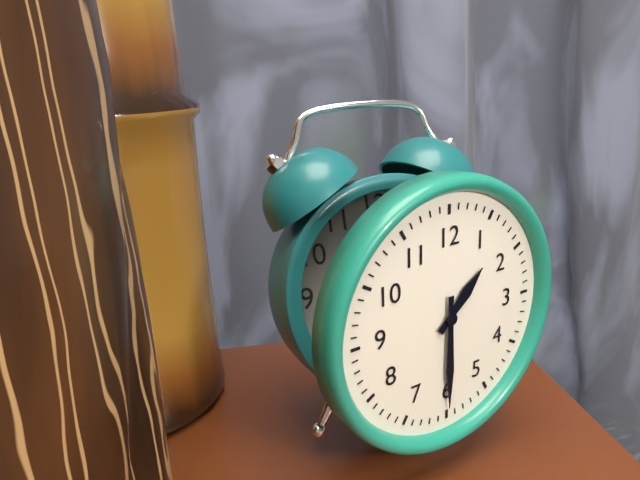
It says 1:30
